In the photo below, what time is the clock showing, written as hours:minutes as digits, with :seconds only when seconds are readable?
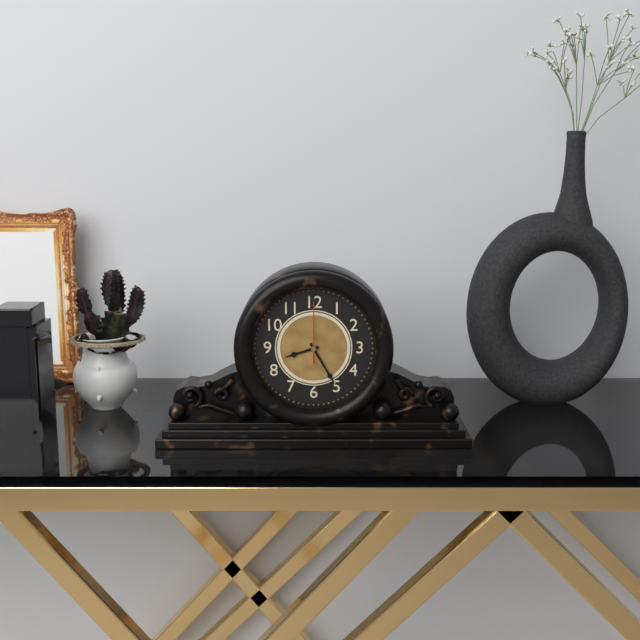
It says 8:25:00
